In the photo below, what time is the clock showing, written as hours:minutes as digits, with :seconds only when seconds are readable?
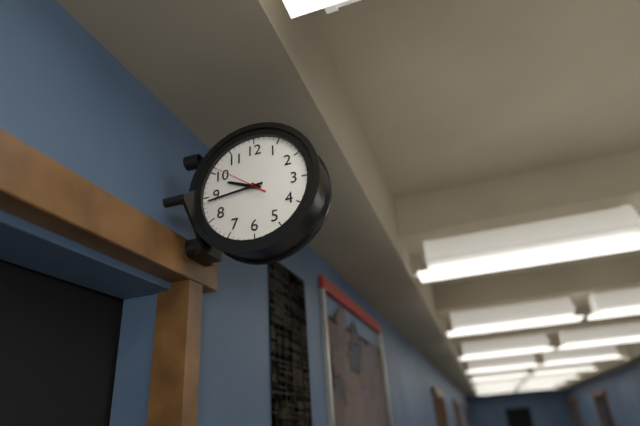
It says 9:44:51
